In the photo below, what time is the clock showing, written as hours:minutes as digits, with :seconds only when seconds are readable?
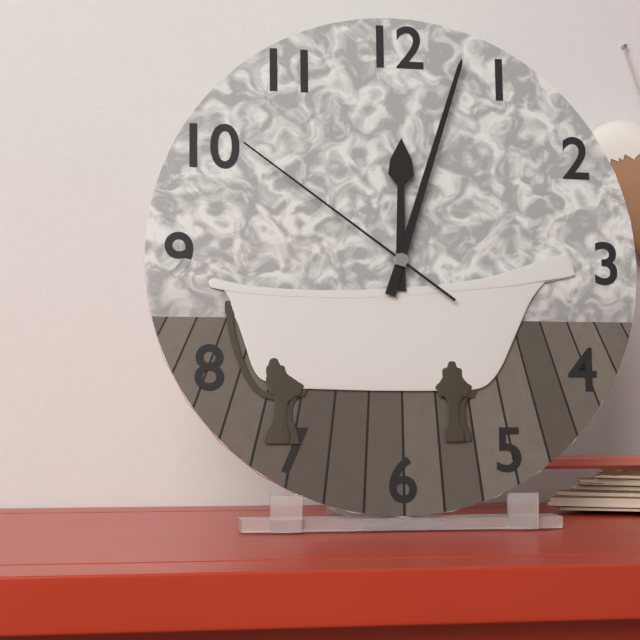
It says 12:03:51
